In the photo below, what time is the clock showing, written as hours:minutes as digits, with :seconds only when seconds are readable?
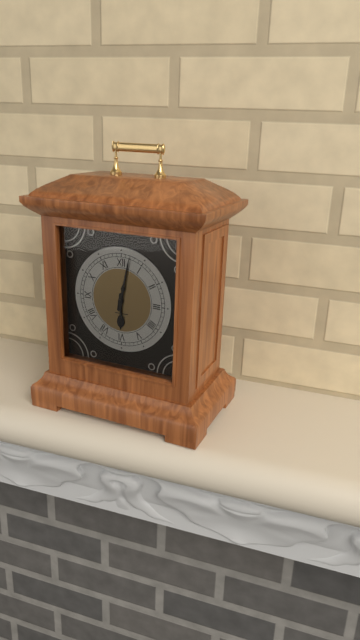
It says 6:02
